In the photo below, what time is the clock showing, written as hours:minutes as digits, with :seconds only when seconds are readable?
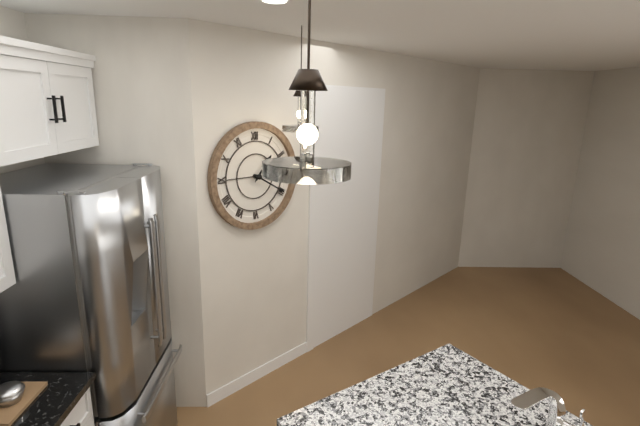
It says 1:20
